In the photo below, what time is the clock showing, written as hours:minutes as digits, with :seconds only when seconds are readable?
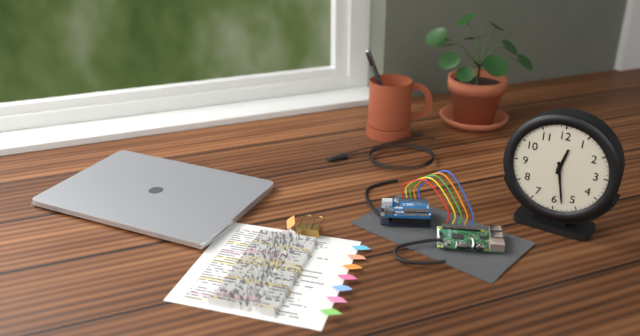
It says 12:28
